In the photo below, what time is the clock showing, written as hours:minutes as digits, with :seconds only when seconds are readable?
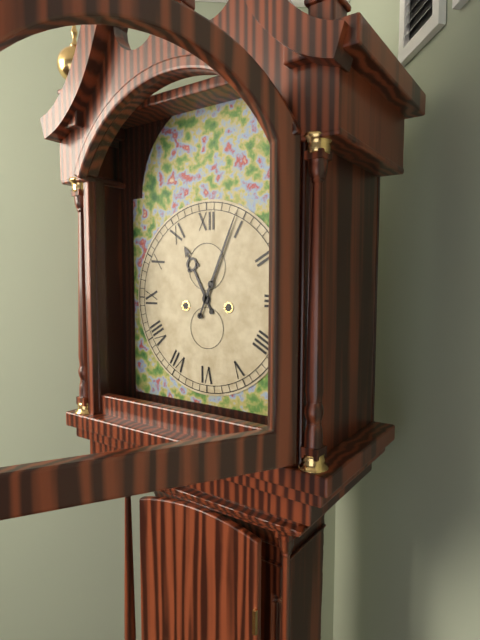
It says 11:04
